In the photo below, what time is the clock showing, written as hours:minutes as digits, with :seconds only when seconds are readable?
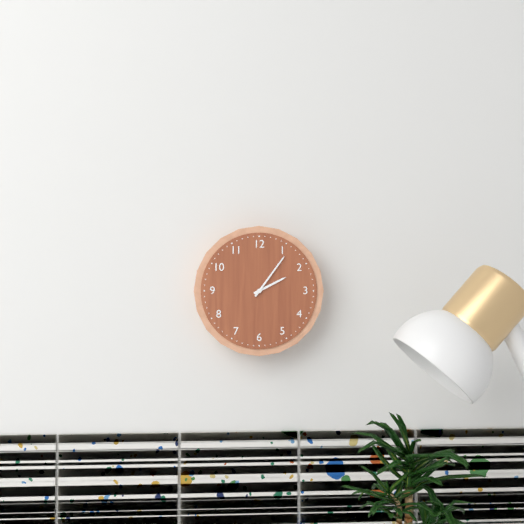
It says 2:06
